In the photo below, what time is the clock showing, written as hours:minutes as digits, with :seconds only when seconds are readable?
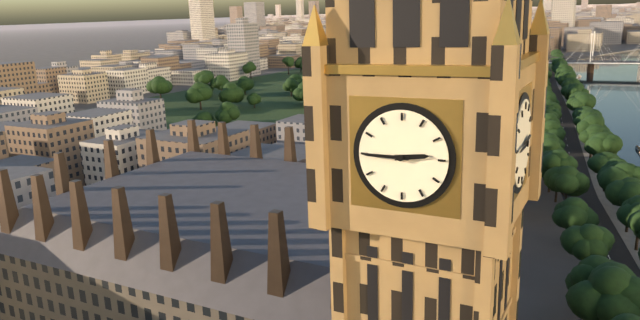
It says 2:45
